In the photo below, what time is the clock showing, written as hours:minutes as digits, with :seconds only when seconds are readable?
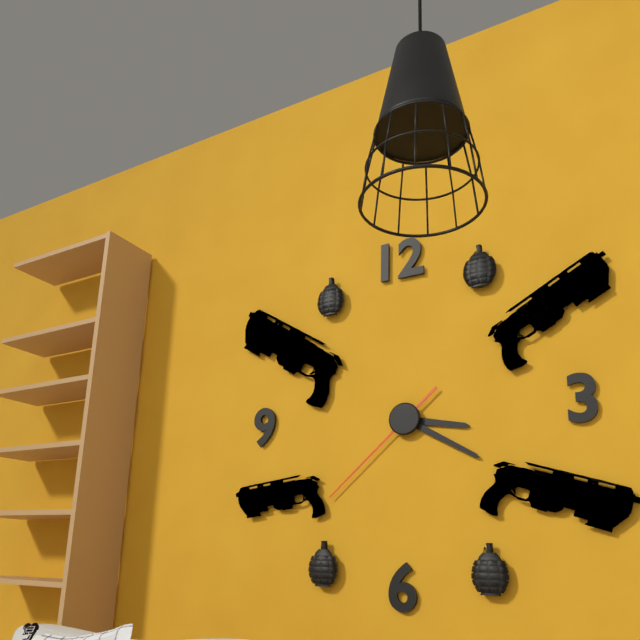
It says 3:20:38
